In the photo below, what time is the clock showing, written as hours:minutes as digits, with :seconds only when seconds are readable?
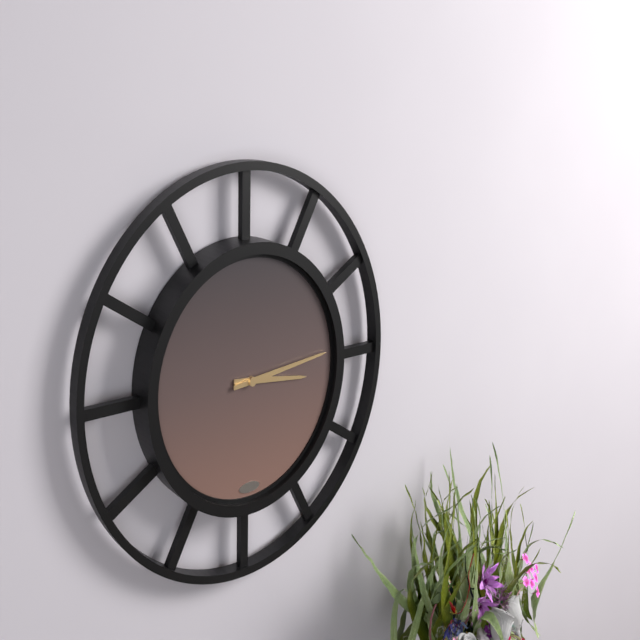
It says 3:14
